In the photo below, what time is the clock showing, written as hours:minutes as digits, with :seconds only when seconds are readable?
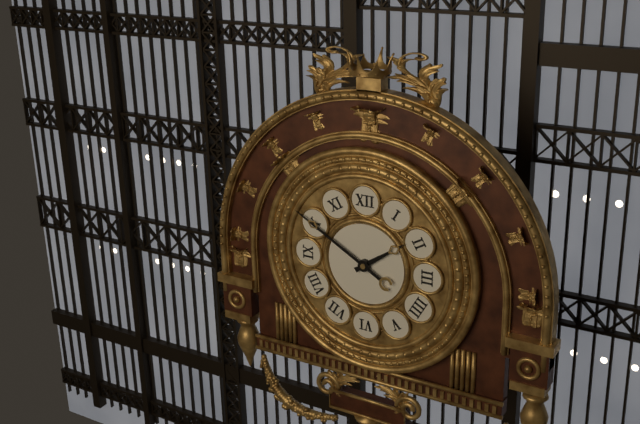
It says 1:50
